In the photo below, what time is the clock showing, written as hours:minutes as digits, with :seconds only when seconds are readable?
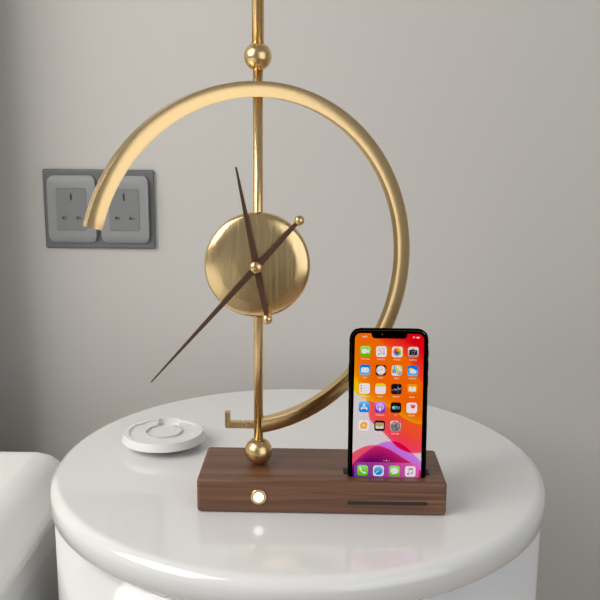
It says 11:37
